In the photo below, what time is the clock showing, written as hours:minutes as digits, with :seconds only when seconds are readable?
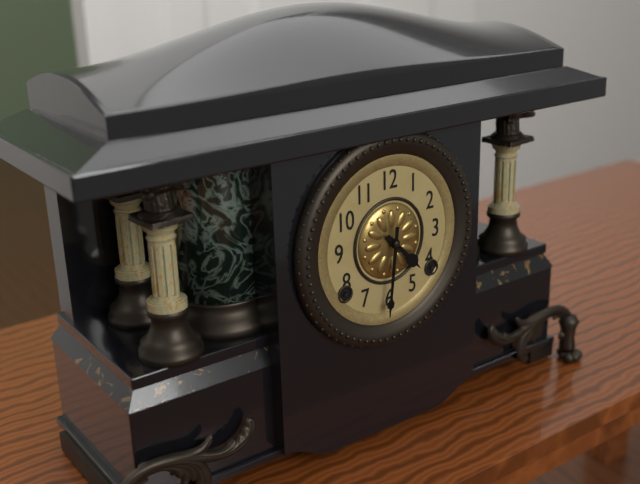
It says 4:31
